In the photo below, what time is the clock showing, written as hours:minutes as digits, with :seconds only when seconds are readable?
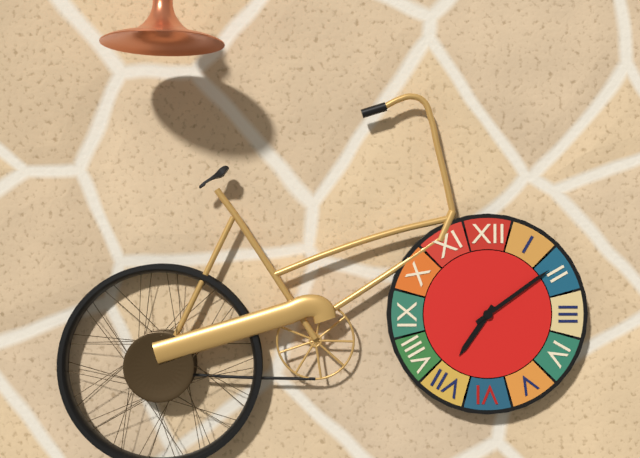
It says 7:09
